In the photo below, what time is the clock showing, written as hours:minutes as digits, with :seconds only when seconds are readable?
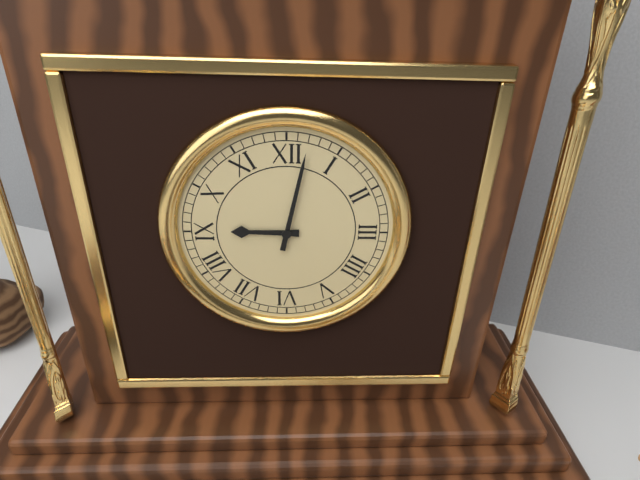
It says 9:02
